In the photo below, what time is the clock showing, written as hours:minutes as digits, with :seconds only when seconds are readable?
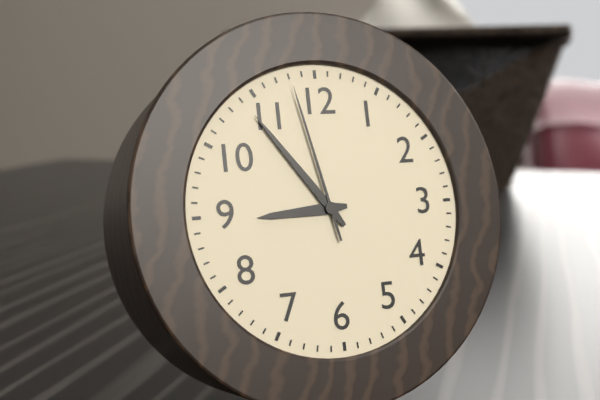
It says 8:54:58
